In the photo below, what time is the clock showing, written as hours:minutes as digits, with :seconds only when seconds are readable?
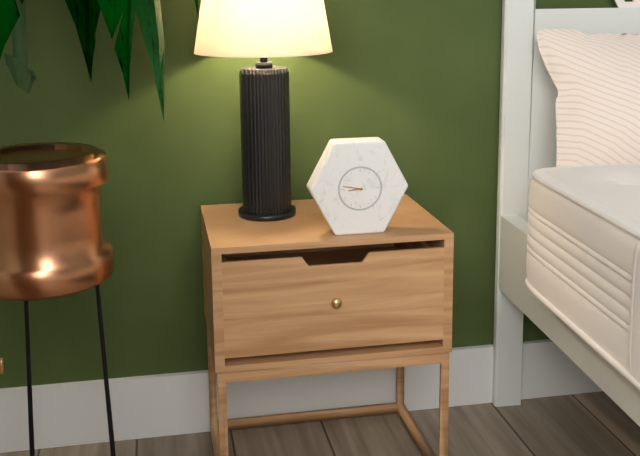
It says 8:47
